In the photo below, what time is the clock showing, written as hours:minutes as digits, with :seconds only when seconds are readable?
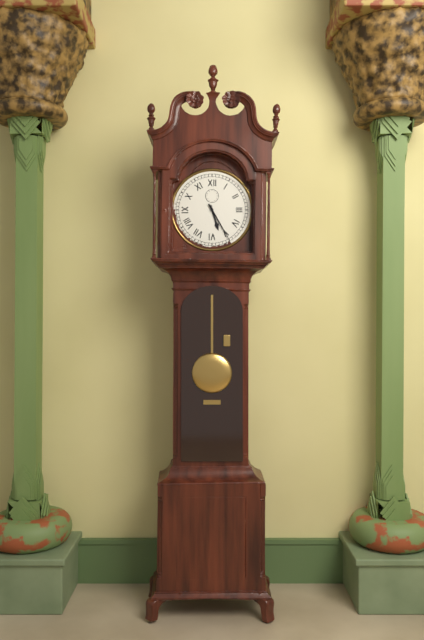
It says 5:25
